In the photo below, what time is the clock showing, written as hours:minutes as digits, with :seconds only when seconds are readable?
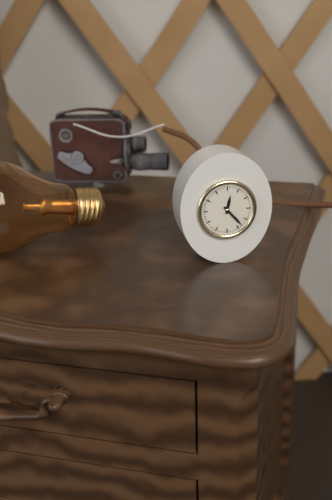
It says 12:23
